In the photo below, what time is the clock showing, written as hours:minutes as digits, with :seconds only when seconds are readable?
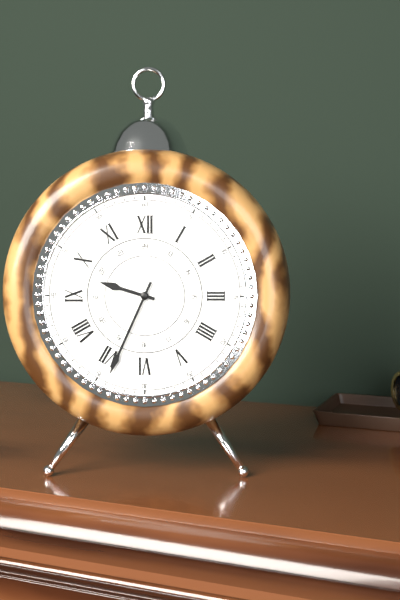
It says 9:34
